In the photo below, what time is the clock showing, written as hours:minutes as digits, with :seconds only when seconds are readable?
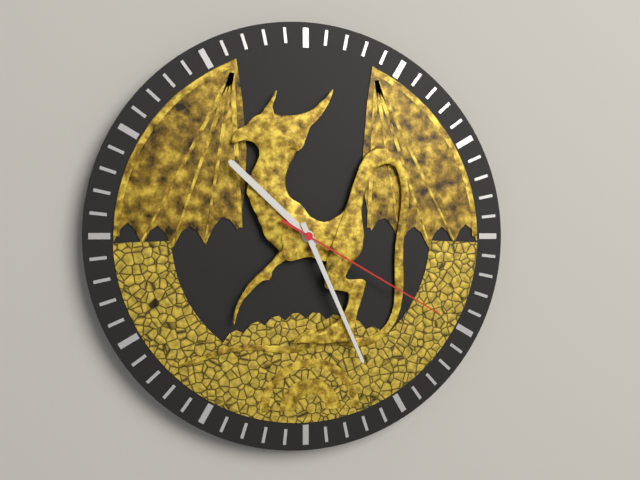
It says 10:26:20
